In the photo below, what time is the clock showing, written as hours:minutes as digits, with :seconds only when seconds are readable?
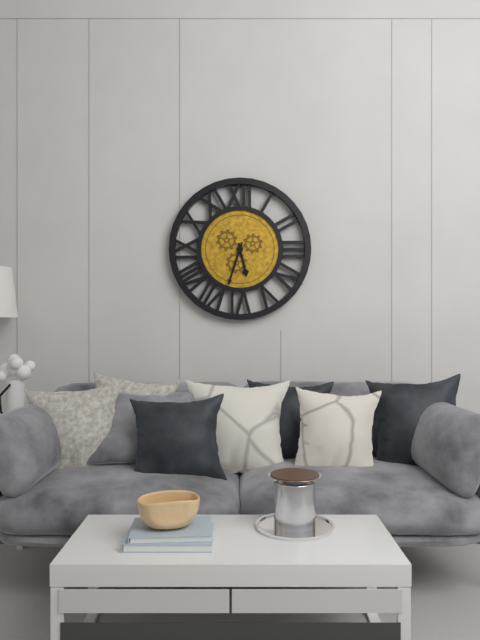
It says 5:33
